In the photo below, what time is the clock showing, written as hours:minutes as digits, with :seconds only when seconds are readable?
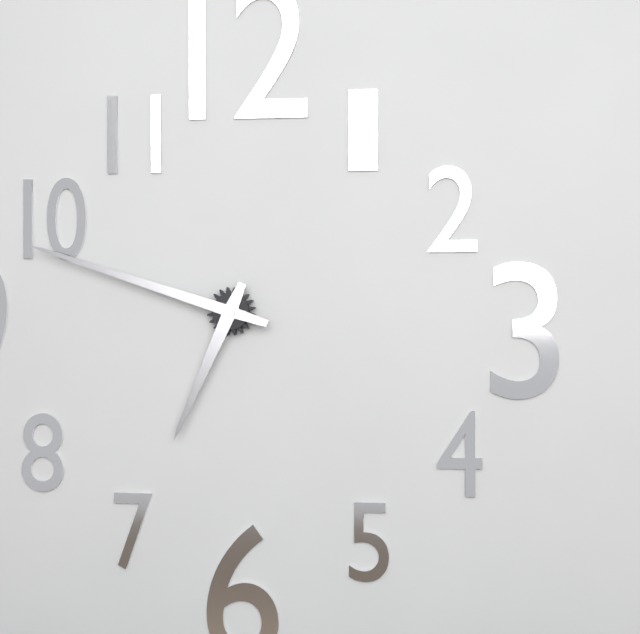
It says 6:48
